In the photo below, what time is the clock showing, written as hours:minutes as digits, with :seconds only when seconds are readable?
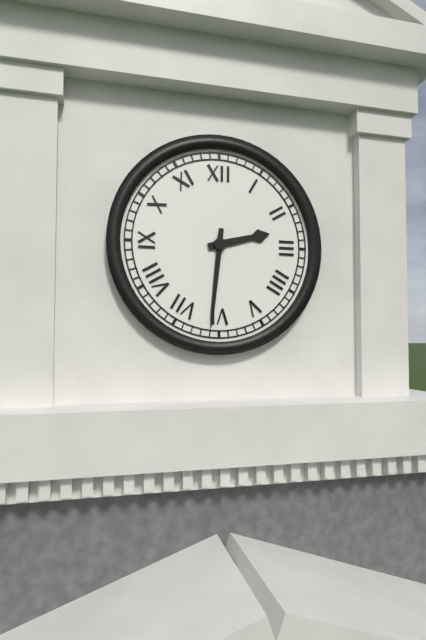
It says 2:31
